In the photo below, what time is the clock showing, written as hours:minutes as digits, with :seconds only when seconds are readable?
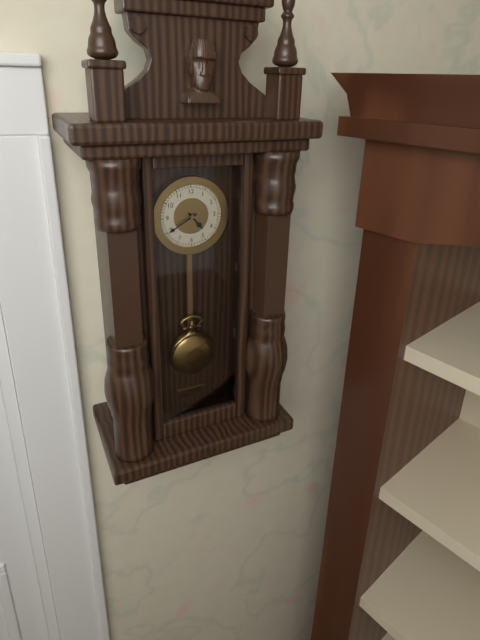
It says 4:40
